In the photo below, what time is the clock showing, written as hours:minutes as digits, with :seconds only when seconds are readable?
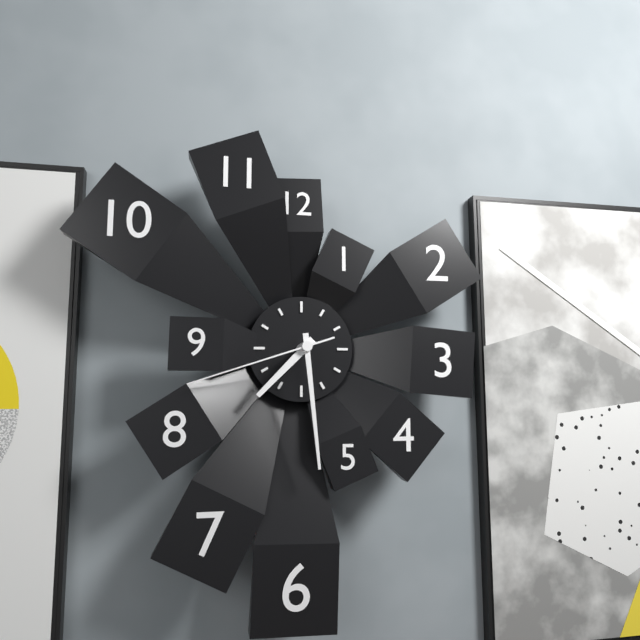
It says 7:29:42
